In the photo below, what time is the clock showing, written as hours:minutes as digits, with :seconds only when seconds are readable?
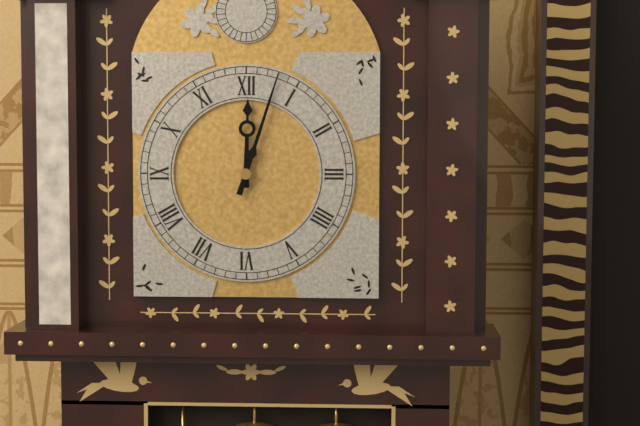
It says 12:03
